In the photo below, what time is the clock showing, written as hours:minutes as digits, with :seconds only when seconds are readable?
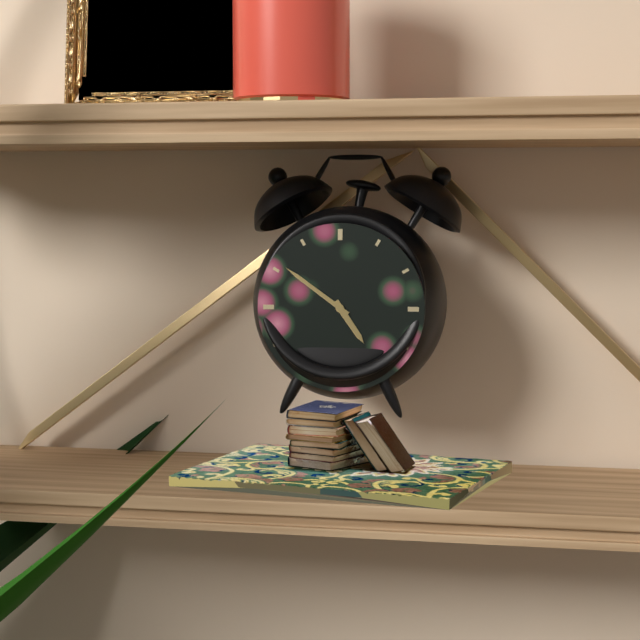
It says 4:51
